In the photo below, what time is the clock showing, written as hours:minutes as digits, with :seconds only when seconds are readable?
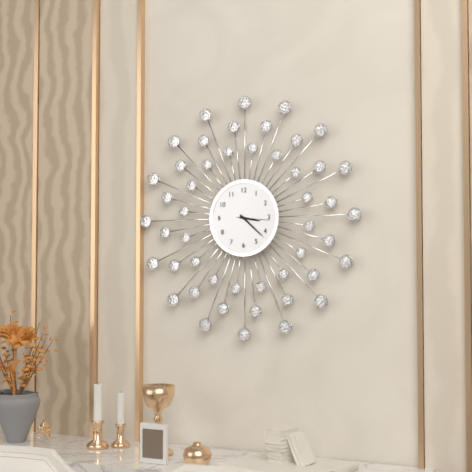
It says 3:22
